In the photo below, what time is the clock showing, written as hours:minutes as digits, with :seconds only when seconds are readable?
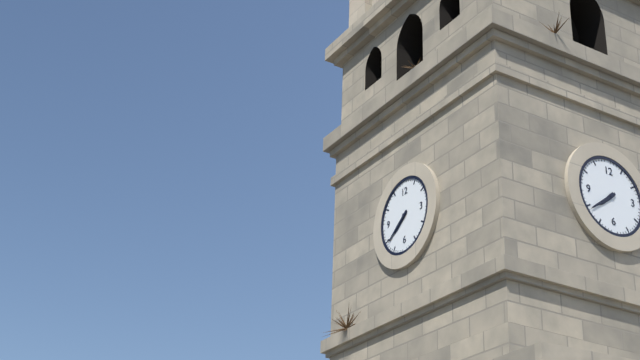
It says 7:39
